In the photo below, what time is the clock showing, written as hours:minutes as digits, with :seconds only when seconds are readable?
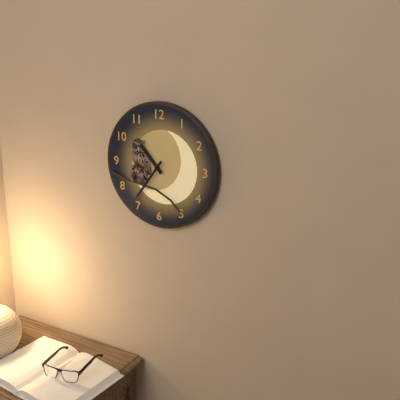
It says 10:36
